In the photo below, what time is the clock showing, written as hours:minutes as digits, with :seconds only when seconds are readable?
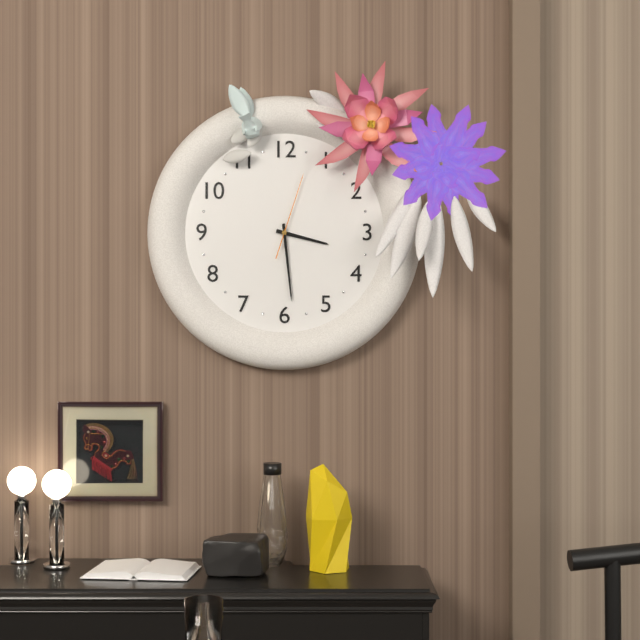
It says 3:29:03
